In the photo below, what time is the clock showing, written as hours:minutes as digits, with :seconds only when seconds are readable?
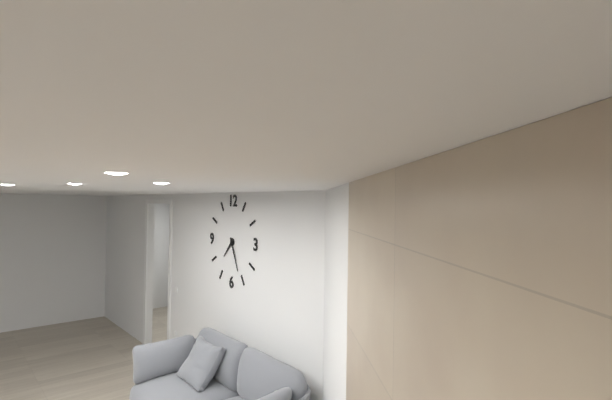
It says 7:26
